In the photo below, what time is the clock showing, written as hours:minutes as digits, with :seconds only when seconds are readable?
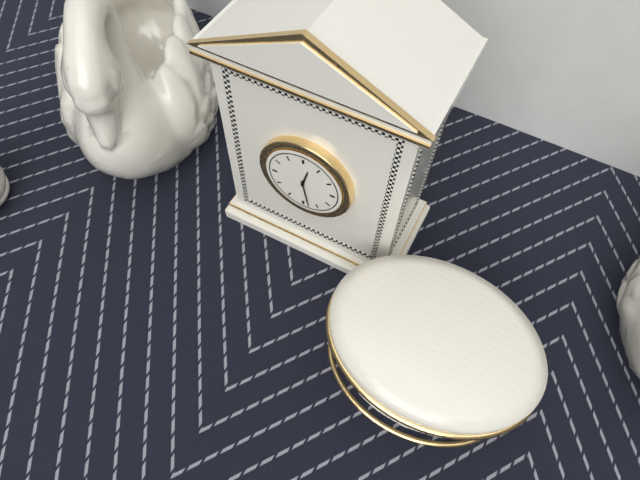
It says 12:28
